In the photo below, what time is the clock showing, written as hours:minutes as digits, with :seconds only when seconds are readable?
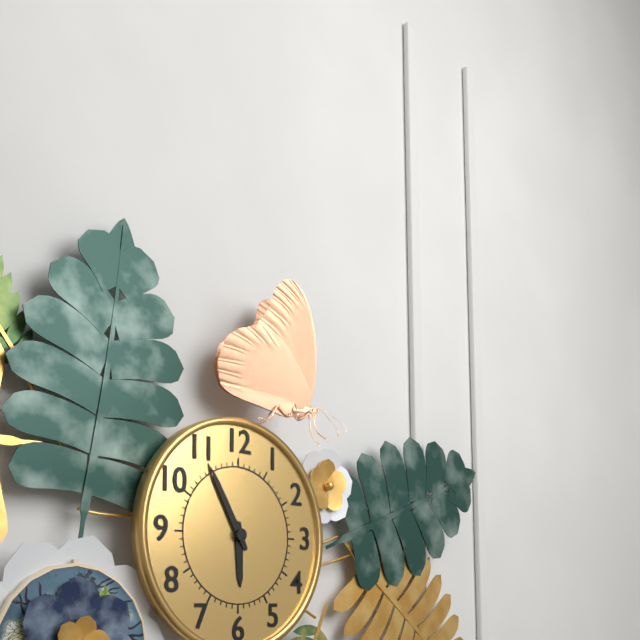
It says 5:55
